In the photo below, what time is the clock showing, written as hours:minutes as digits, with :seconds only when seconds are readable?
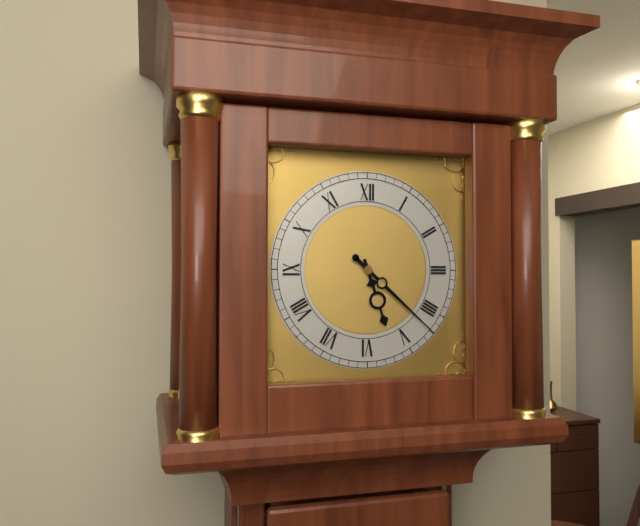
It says 5:22
